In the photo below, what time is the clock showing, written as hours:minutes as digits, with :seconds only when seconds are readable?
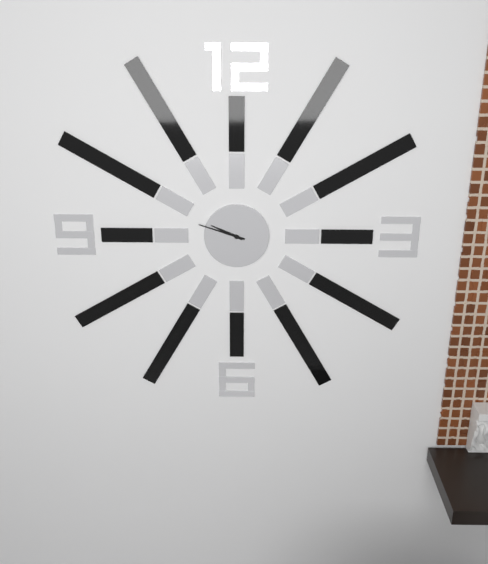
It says 9:48
